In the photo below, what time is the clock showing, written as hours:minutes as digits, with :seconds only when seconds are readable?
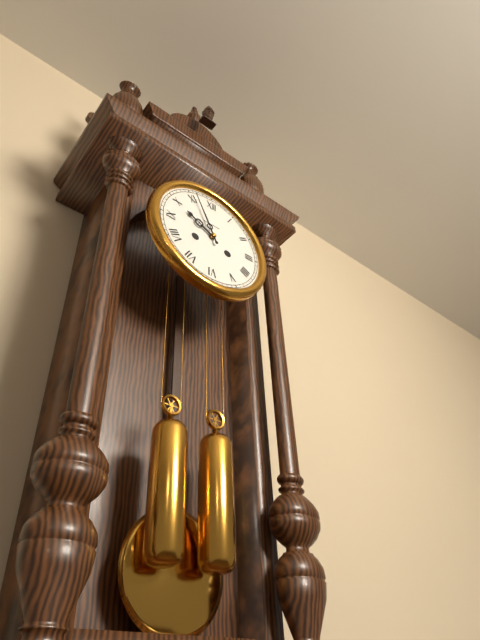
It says 9:56
